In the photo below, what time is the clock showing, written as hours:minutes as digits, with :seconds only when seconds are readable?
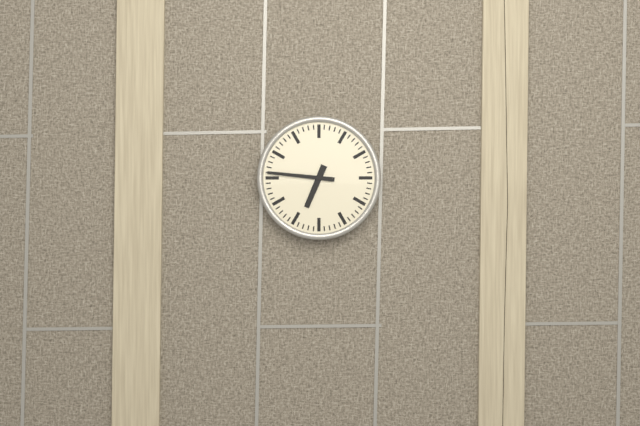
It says 6:46
